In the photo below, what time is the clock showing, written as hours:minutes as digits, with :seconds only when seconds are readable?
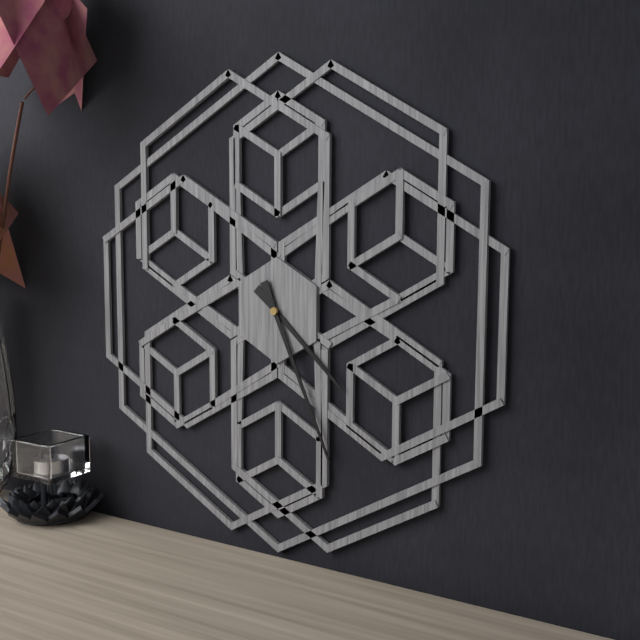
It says 4:26
